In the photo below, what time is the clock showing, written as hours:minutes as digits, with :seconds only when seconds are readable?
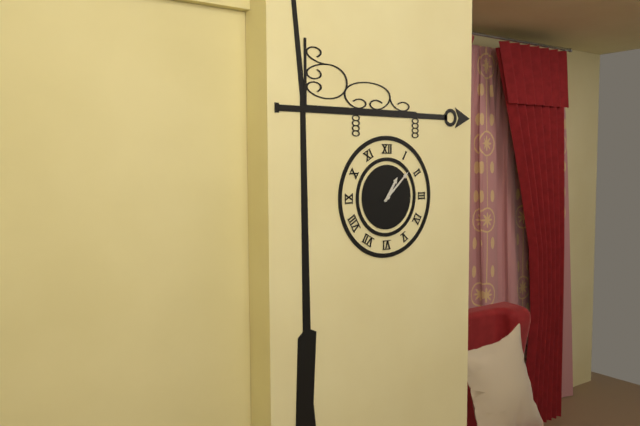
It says 1:08
